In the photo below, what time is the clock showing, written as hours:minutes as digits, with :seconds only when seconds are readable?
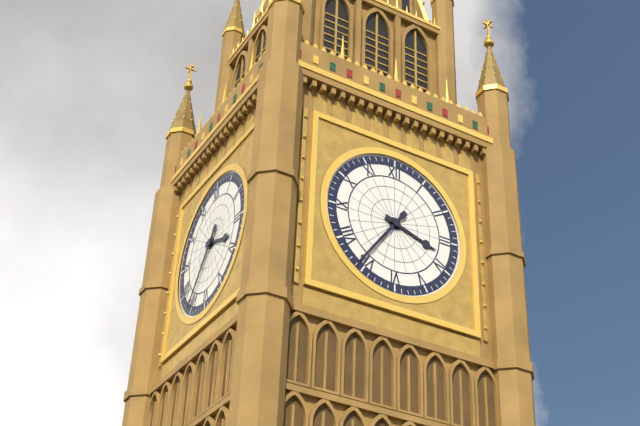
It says 3:36
